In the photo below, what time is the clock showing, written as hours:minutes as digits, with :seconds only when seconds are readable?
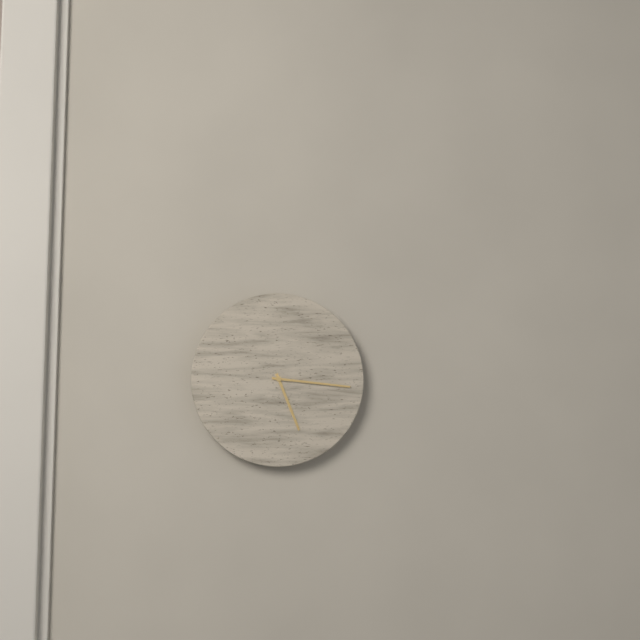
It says 5:16
